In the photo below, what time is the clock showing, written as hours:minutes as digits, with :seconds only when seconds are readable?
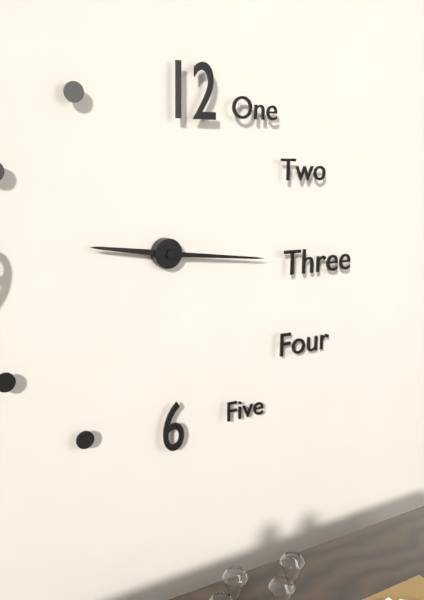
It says 9:16
